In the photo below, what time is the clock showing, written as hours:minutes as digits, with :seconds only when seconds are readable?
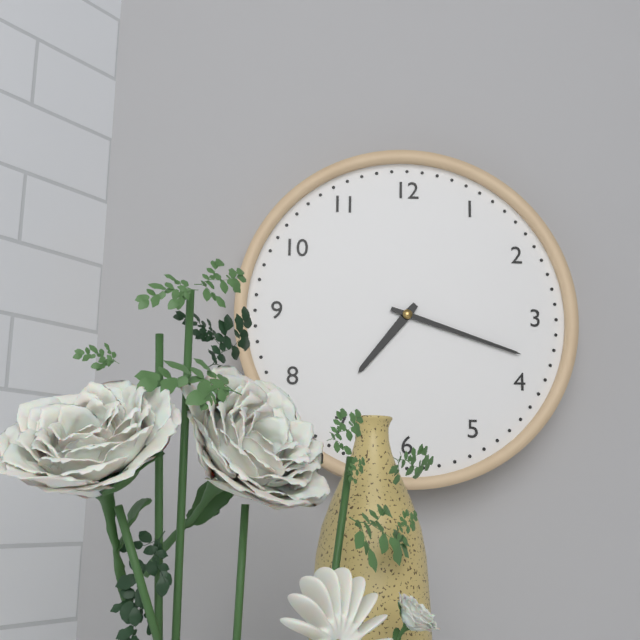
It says 7:18
